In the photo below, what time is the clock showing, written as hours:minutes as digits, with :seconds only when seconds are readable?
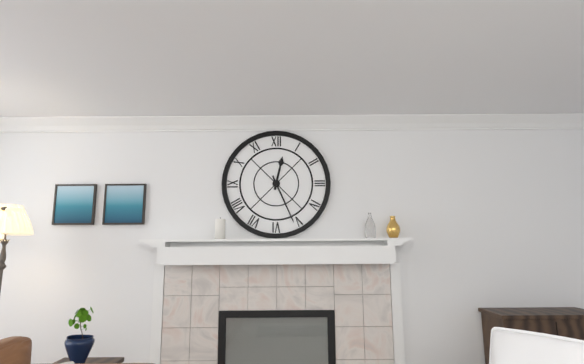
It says 12:26
